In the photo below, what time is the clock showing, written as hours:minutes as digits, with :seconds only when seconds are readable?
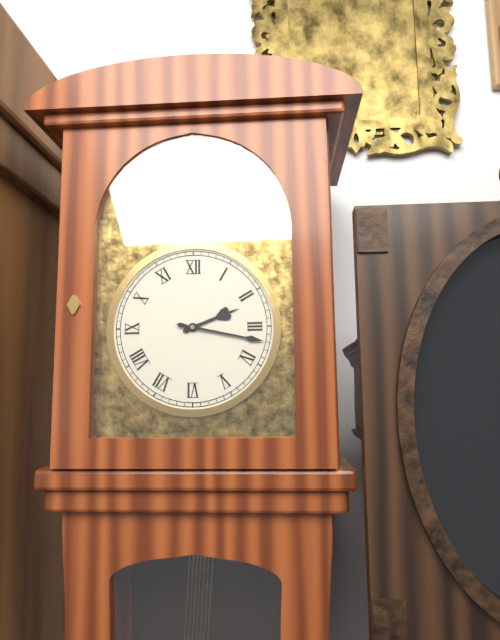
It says 2:17
